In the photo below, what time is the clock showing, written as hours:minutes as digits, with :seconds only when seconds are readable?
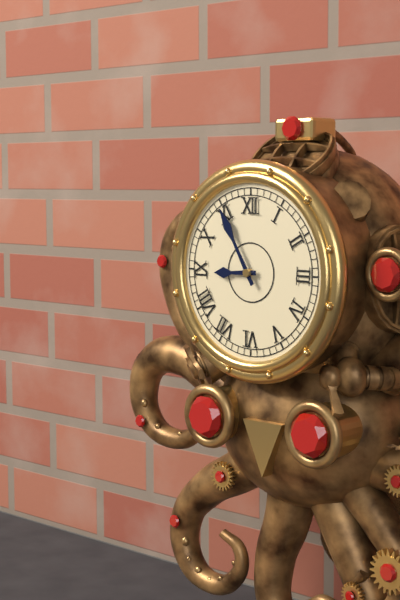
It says 8:55
